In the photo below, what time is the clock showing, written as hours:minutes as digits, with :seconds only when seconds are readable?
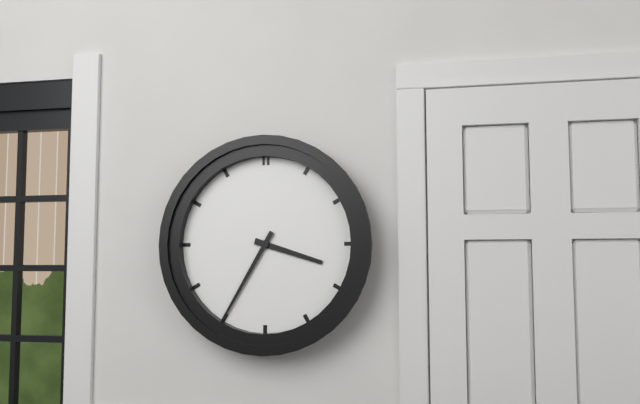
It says 3:35
